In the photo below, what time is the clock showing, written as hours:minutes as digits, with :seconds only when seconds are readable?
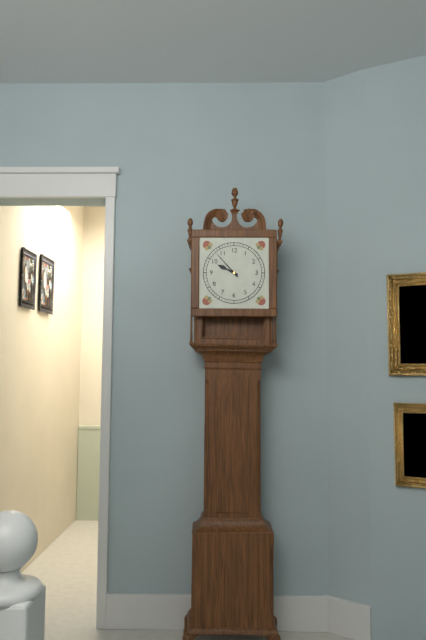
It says 9:53
